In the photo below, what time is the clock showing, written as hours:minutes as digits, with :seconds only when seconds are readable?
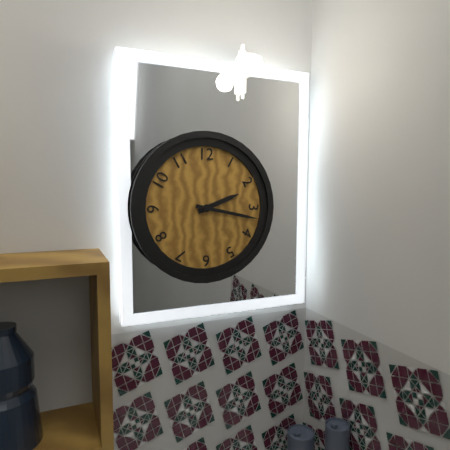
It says 2:17
